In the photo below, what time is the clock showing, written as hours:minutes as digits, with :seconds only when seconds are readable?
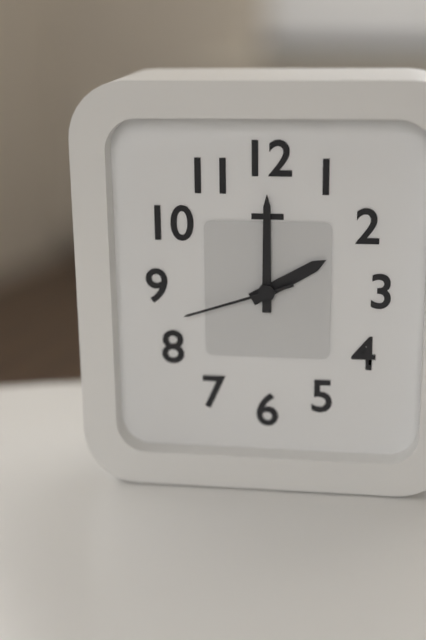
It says 2:00:42
